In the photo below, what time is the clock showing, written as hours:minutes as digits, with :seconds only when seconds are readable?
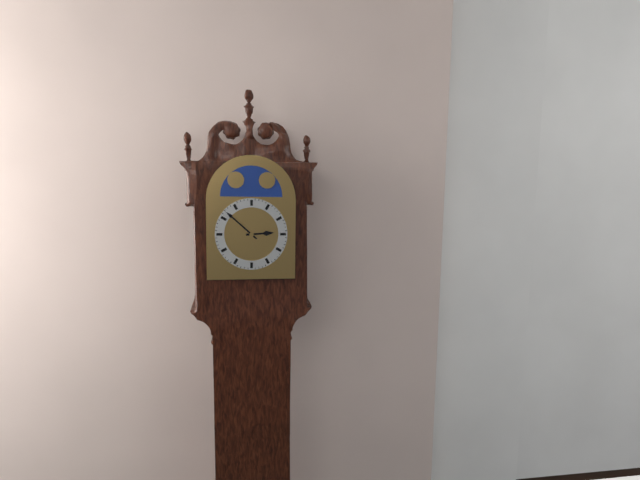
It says 2:52
